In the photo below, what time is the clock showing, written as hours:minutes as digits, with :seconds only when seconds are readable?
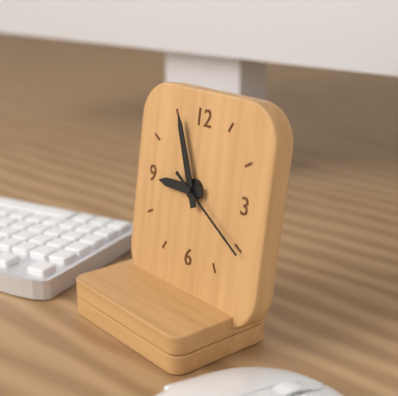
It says 8:56:20
